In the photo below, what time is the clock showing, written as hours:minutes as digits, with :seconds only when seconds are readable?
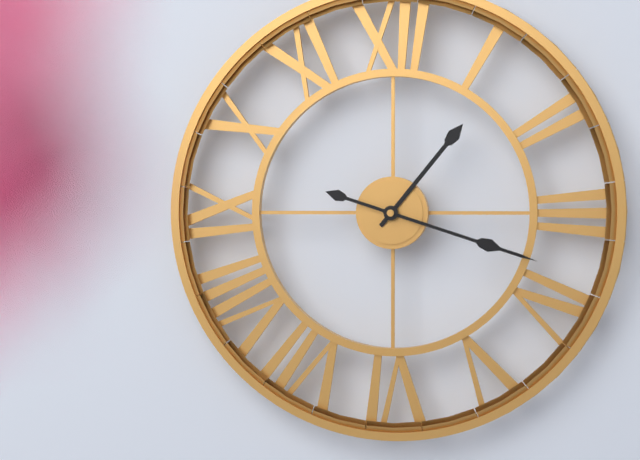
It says 1:18
